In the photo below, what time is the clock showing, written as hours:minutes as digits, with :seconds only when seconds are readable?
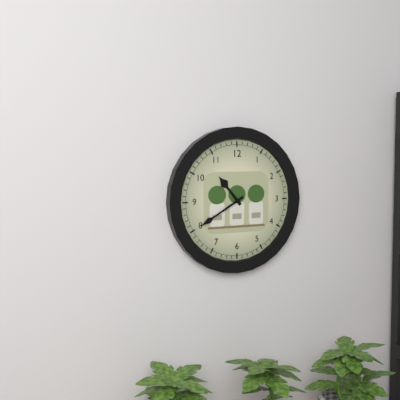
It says 10:40
